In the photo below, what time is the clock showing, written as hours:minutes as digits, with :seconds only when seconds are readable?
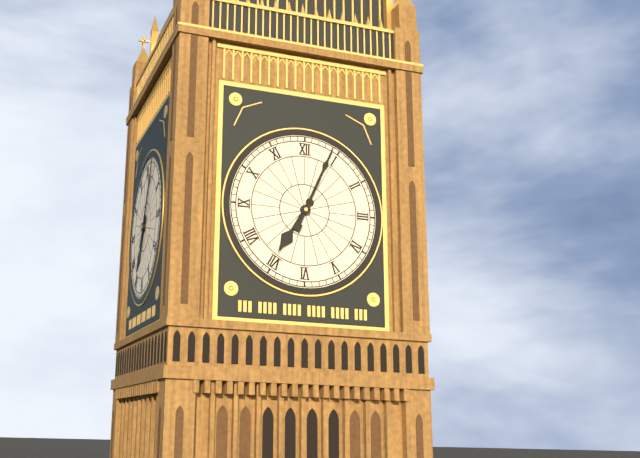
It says 7:04
